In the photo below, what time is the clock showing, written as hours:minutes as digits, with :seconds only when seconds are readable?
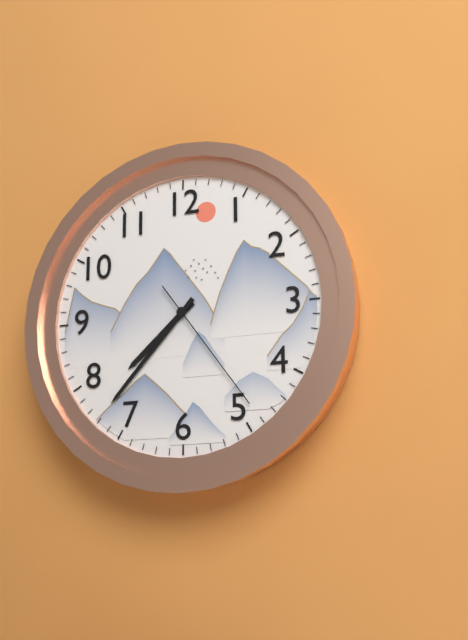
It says 7:37:24
